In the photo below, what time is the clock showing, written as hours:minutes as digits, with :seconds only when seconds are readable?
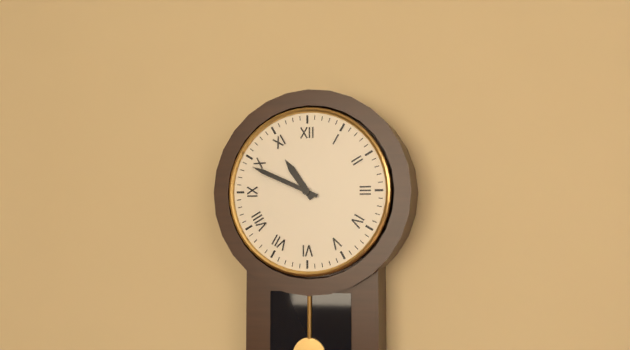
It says 10:49
